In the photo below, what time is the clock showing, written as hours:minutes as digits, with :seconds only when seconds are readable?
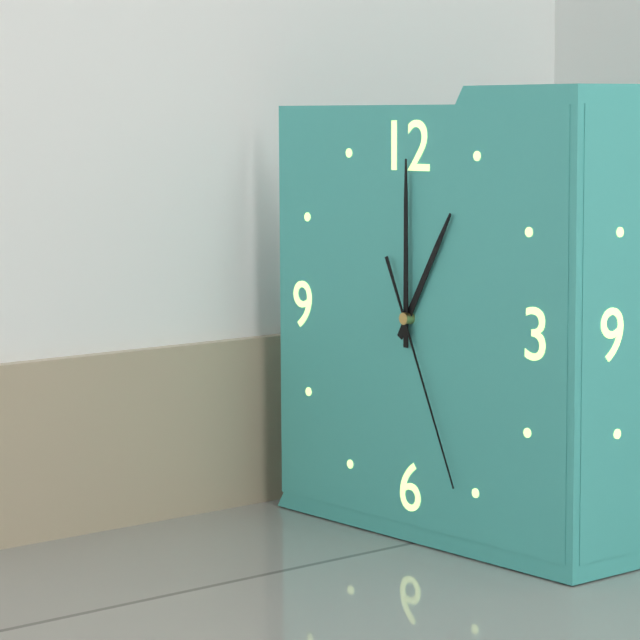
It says 1:00:26
